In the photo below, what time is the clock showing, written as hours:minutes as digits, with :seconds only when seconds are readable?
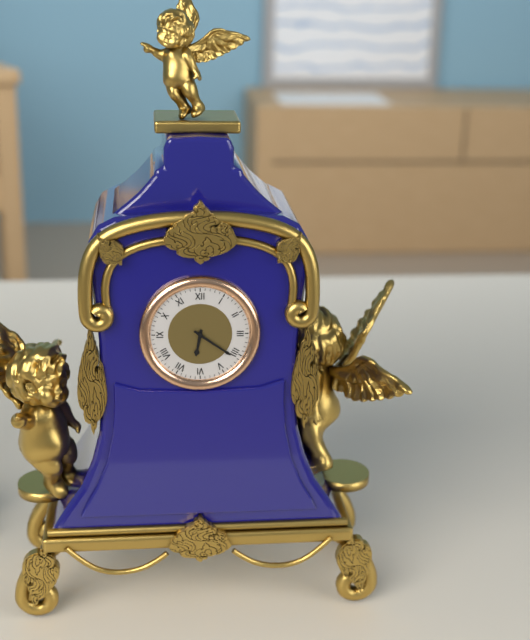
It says 6:21
